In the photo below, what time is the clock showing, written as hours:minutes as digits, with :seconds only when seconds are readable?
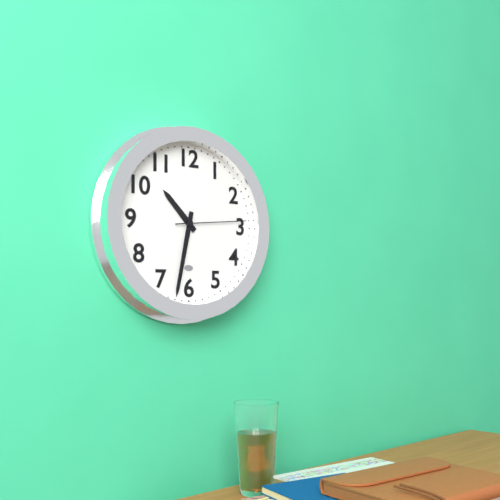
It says 10:32:14
